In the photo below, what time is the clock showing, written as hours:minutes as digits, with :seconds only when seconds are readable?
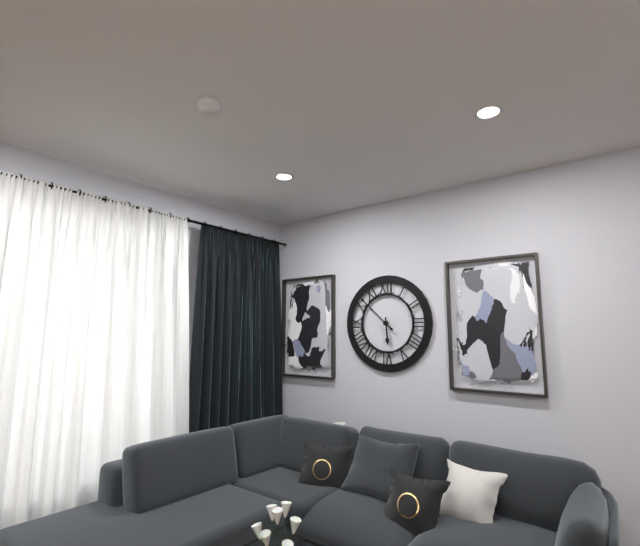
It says 5:52
